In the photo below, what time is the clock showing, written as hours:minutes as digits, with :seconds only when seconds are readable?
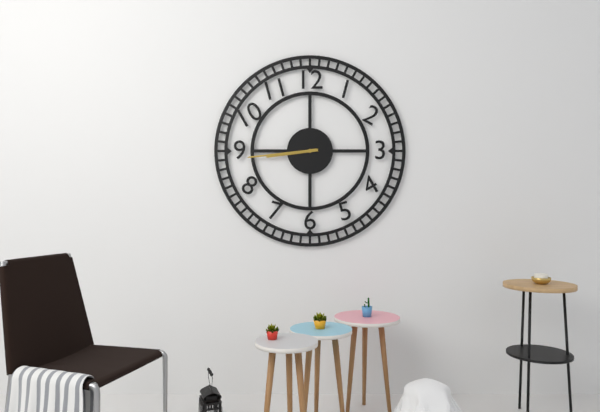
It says 8:44
